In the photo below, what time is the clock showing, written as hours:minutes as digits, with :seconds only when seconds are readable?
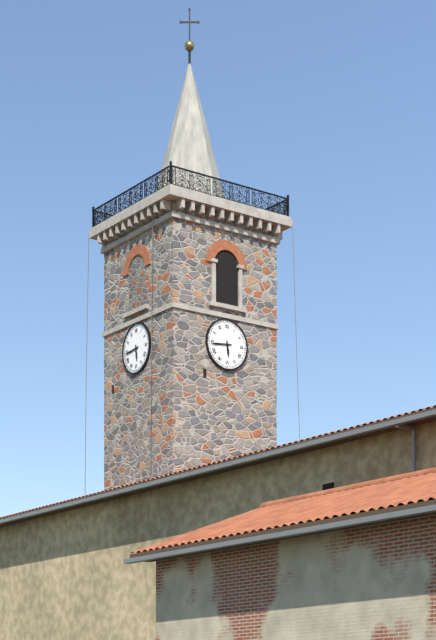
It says 5:44
